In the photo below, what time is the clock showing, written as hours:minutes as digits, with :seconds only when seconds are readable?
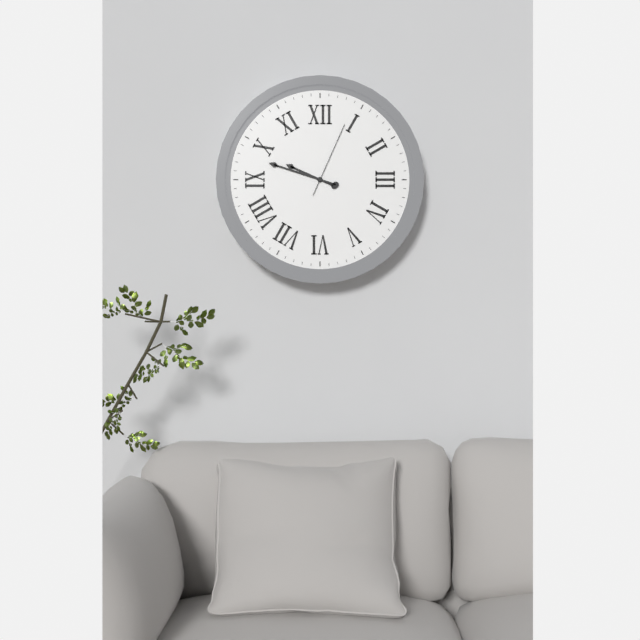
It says 9:48:04
